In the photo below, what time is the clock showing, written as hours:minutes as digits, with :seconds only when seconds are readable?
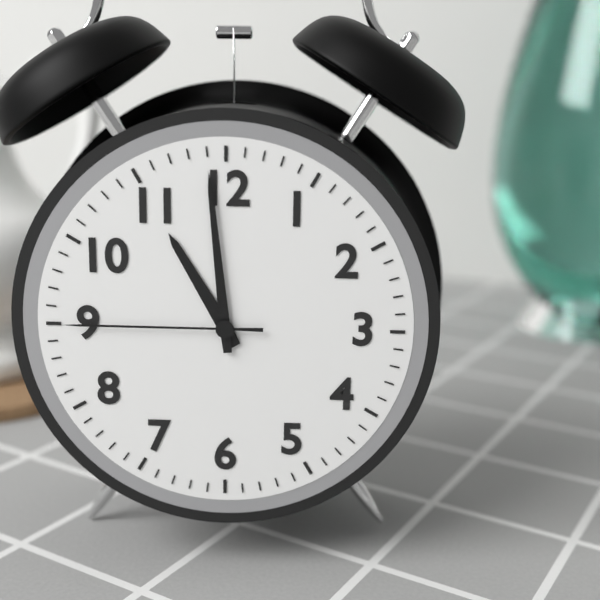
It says 10:59:45
